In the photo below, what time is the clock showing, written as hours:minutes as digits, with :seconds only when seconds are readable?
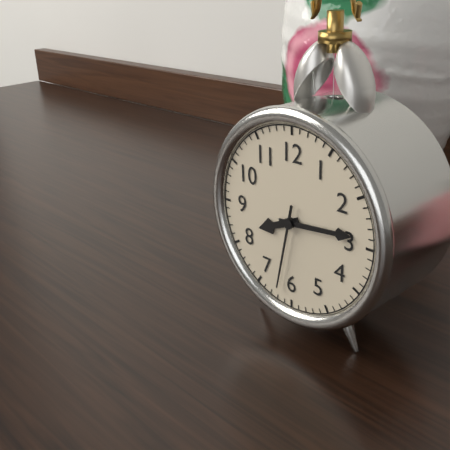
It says 8:14:32
